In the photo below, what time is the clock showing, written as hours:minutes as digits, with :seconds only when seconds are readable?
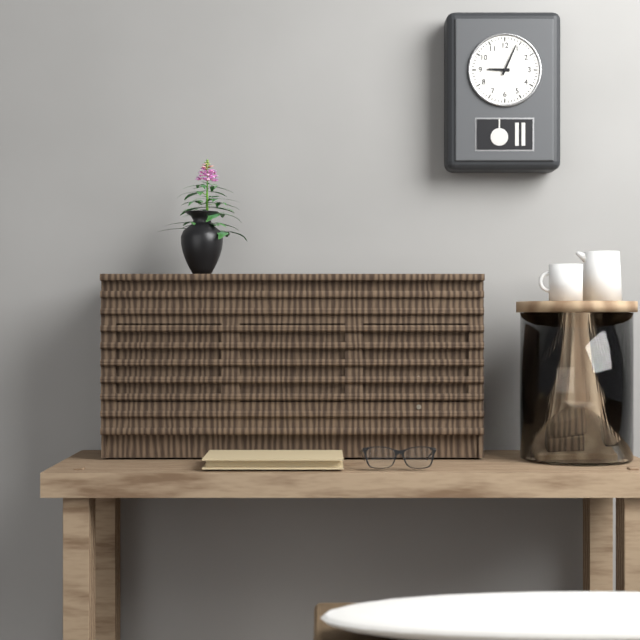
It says 9:04
